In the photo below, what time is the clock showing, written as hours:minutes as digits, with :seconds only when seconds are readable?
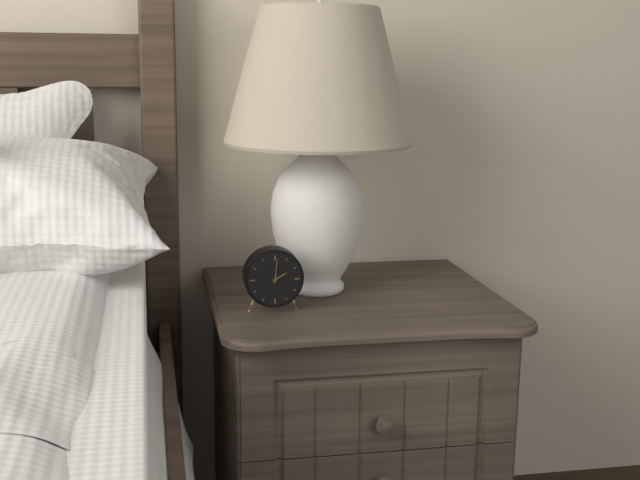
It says 2:01
